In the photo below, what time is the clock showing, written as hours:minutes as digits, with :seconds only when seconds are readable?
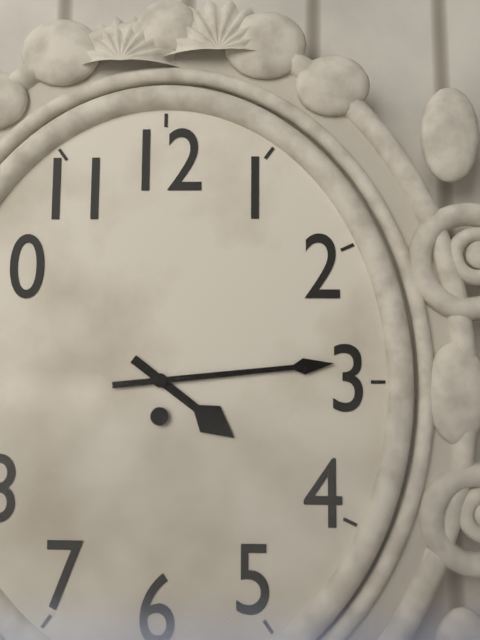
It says 4:14
